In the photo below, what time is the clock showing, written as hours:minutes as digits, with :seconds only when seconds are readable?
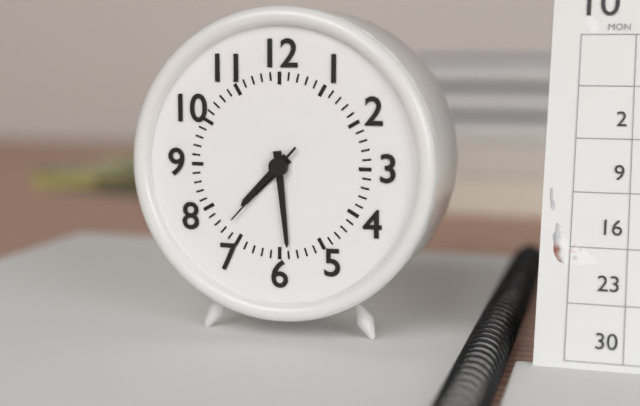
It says 7:29:37
